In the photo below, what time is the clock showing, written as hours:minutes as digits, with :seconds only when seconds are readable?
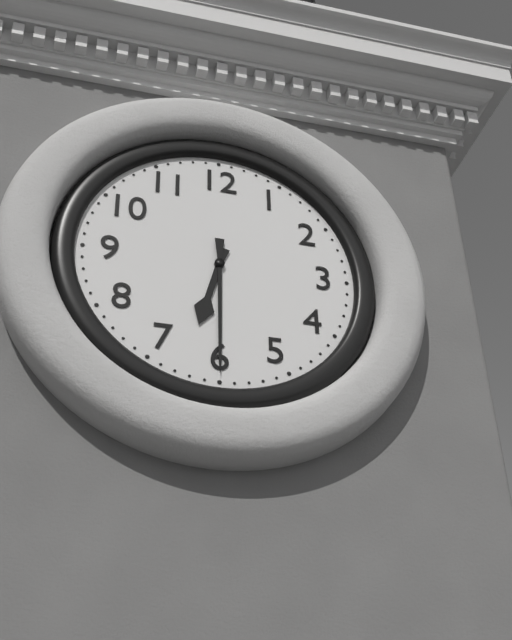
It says 6:30
